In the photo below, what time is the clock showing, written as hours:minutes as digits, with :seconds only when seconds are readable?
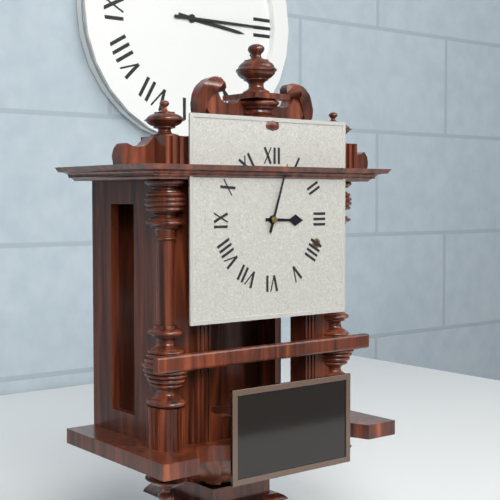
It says 3:03
